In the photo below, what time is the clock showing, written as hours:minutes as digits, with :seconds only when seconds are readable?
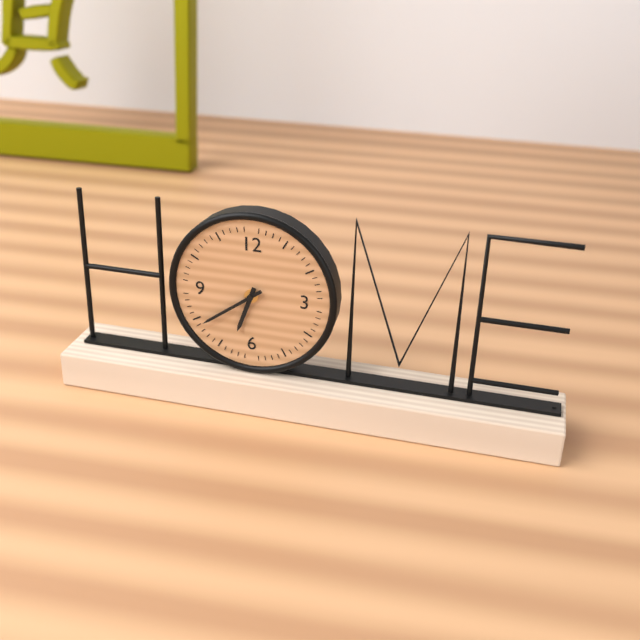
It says 6:39
